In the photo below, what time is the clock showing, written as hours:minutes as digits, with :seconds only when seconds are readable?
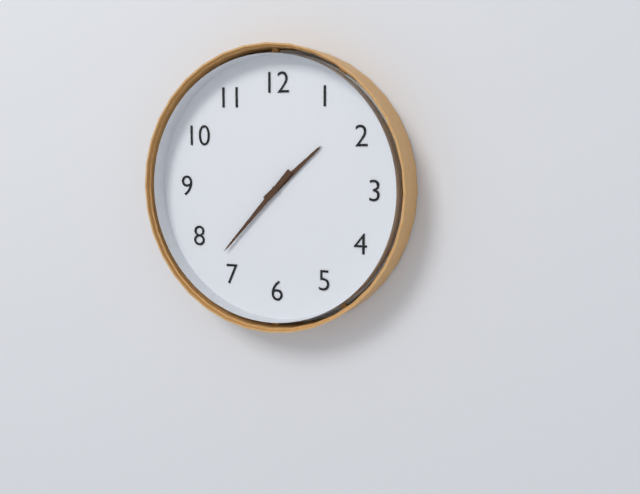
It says 1:37
